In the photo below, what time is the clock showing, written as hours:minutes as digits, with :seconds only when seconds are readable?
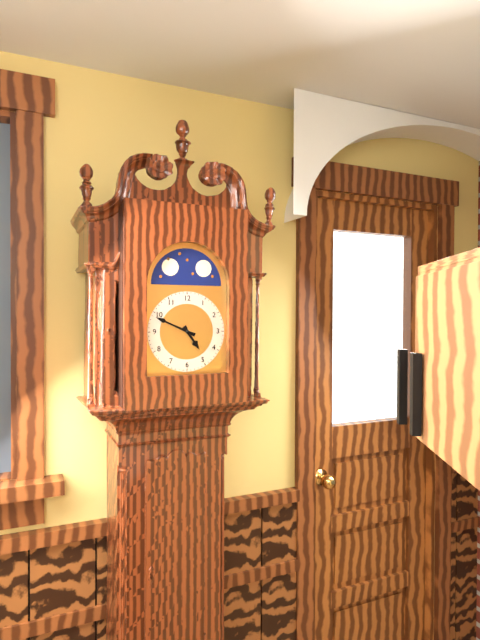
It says 4:49
